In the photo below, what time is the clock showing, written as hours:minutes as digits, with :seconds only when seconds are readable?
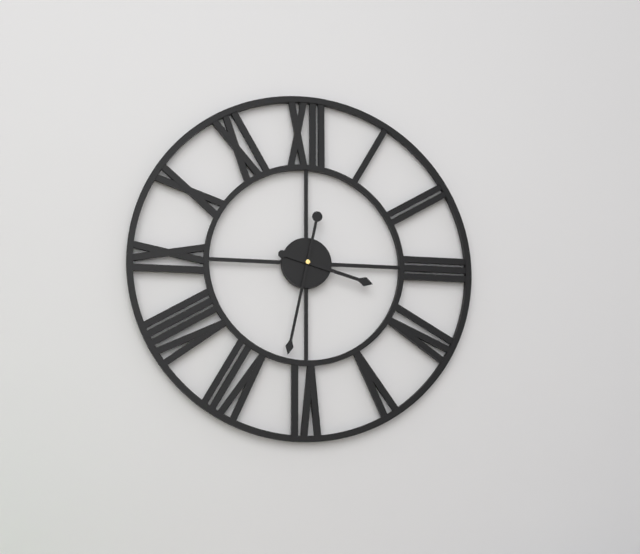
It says 3:32
